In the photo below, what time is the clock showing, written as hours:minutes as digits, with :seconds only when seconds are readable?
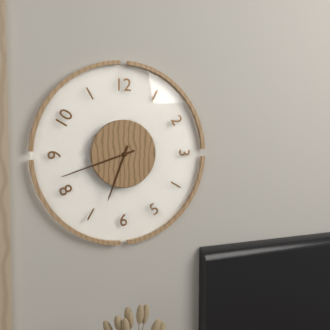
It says 6:42
